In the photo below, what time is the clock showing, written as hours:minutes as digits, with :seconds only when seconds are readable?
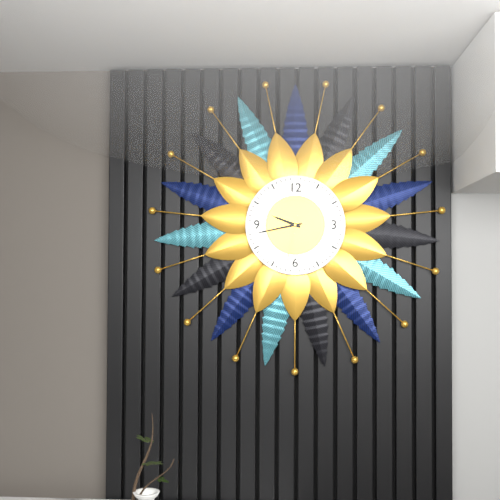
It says 9:43:32
